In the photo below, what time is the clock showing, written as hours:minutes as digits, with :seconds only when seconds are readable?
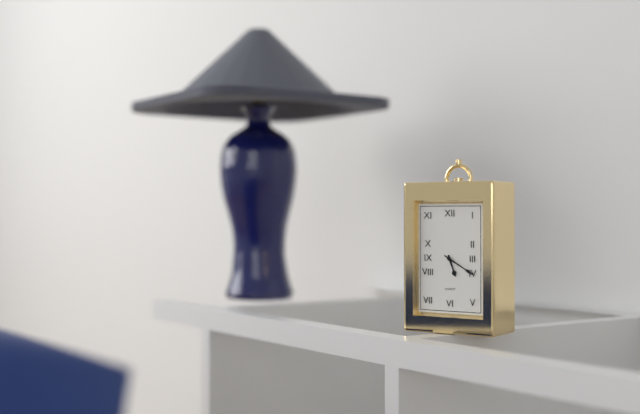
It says 5:20
